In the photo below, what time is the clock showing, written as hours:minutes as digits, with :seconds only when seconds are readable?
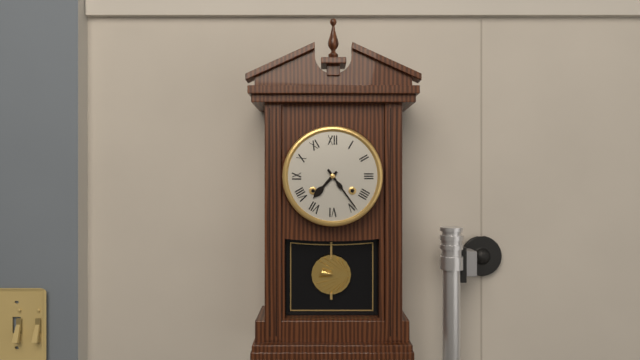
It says 7:24
